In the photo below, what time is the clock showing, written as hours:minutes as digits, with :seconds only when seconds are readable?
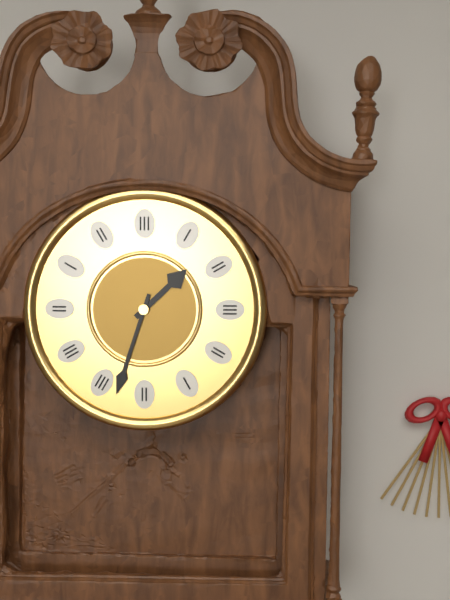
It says 1:33
